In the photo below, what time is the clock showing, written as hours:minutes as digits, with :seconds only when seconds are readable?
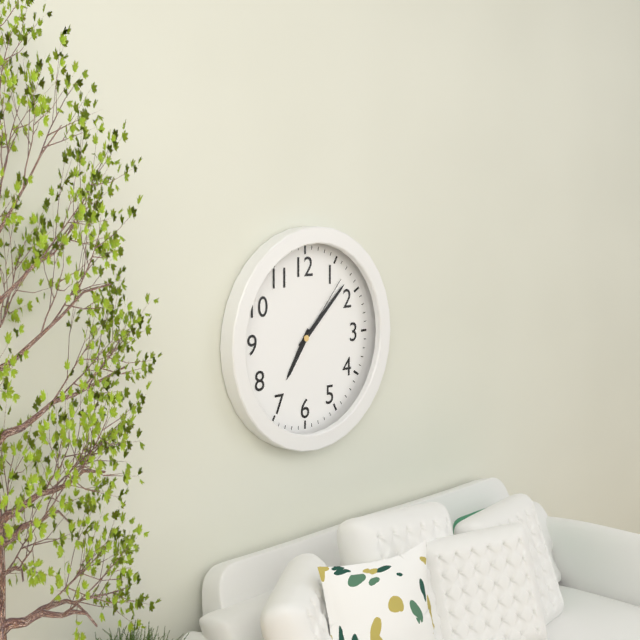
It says 7:08:07
